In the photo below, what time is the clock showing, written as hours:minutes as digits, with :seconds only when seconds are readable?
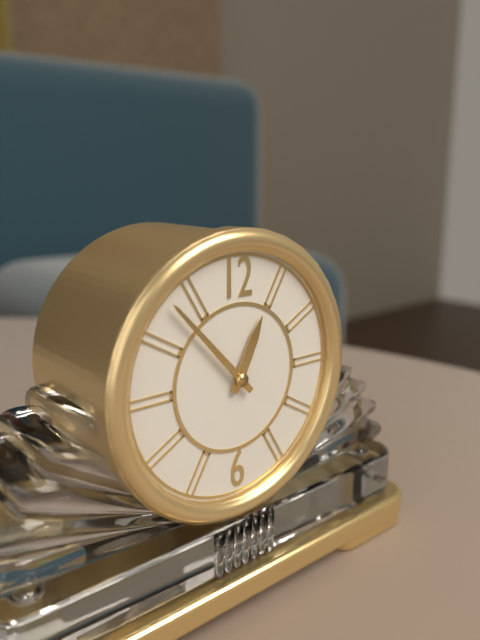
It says 12:53
